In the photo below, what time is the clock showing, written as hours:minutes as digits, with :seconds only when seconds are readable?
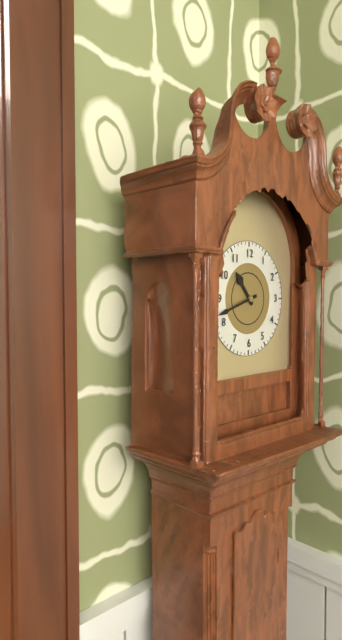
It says 10:42
